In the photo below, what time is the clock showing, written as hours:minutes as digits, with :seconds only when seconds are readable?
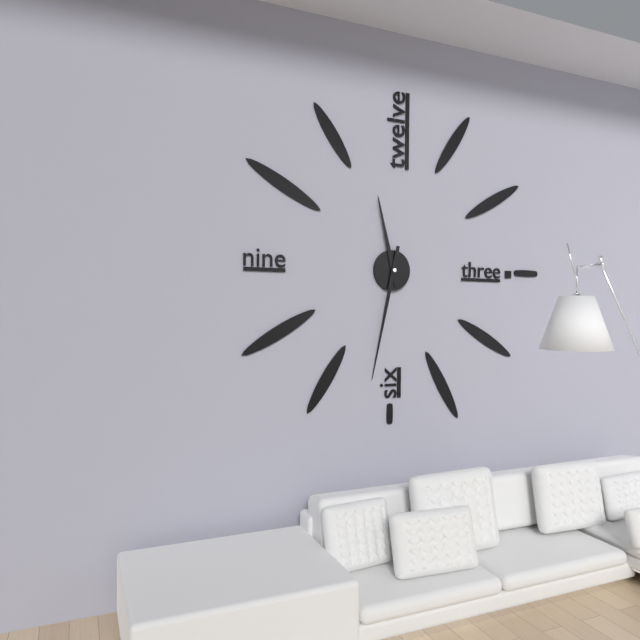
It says 11:32
